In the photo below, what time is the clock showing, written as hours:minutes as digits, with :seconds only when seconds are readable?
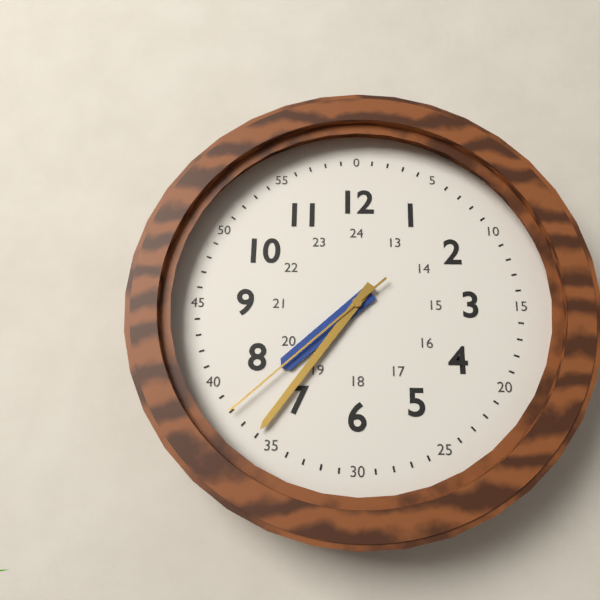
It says 7:36:38
